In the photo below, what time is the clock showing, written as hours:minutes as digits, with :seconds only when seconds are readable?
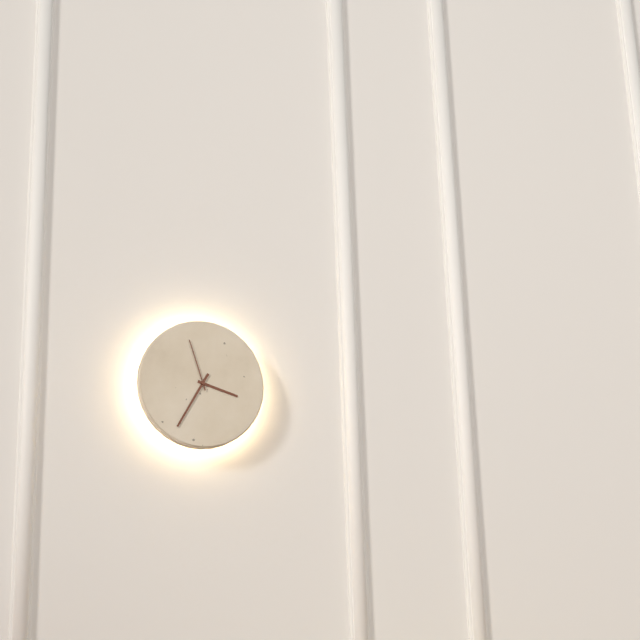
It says 3:35:57
